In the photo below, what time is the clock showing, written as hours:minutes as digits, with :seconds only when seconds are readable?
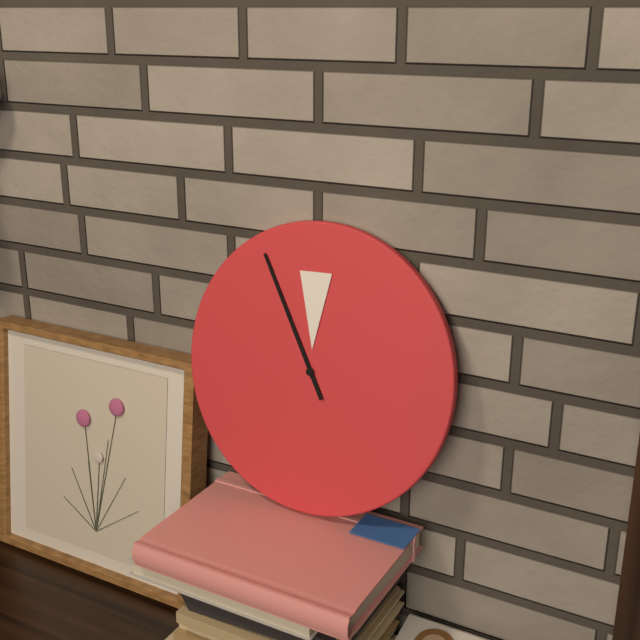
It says 11:55
